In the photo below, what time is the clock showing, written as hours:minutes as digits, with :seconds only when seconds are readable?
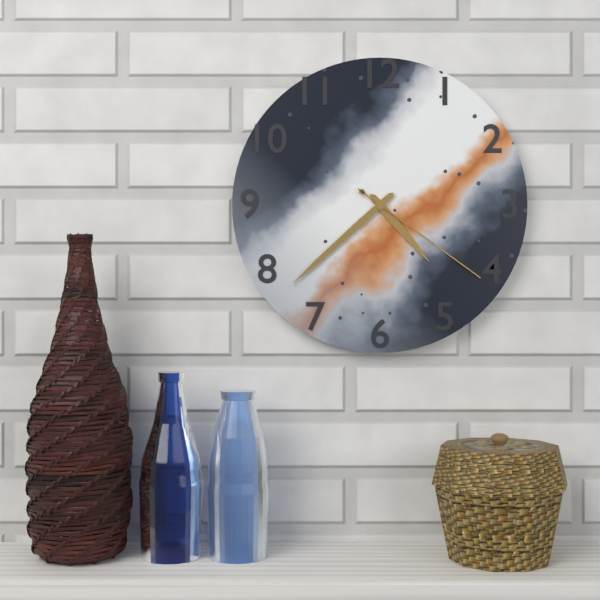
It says 4:38:21
